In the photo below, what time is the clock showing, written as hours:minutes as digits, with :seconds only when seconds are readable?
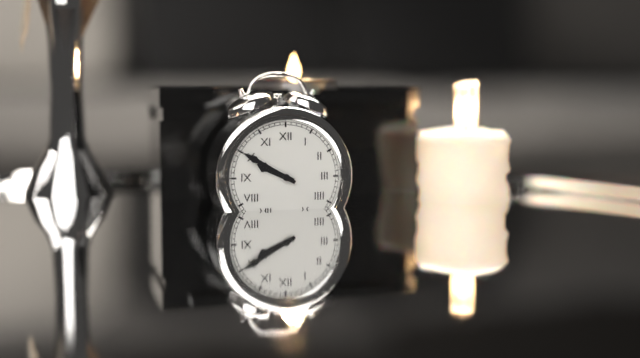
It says 9:50
